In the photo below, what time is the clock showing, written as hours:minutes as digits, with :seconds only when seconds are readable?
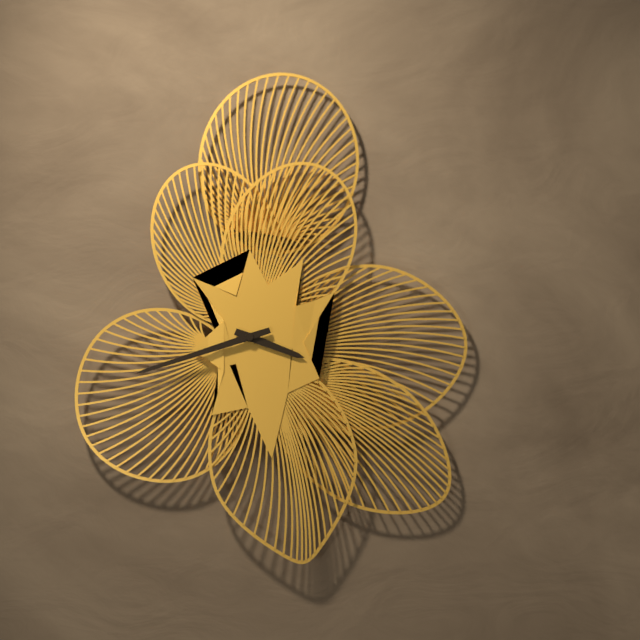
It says 3:42
